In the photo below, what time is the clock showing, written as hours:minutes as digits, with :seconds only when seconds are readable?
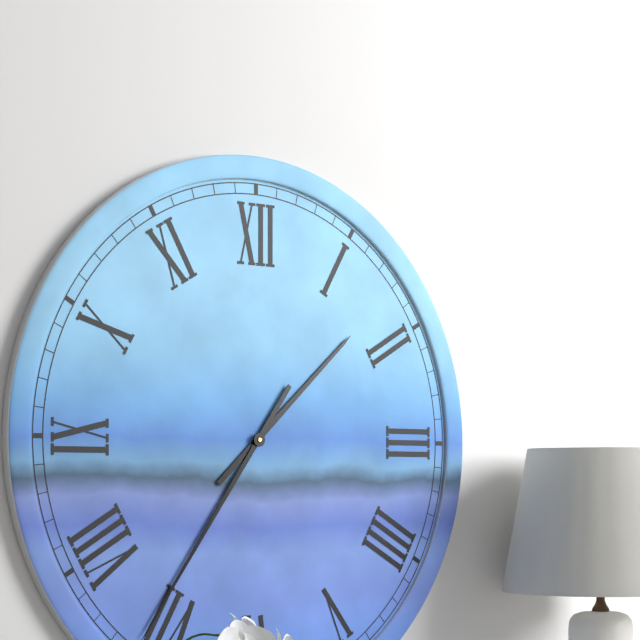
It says 1:36
